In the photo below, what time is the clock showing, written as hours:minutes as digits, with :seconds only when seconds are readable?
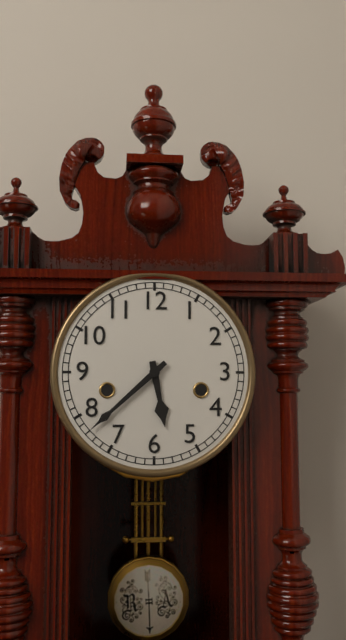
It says 5:38
